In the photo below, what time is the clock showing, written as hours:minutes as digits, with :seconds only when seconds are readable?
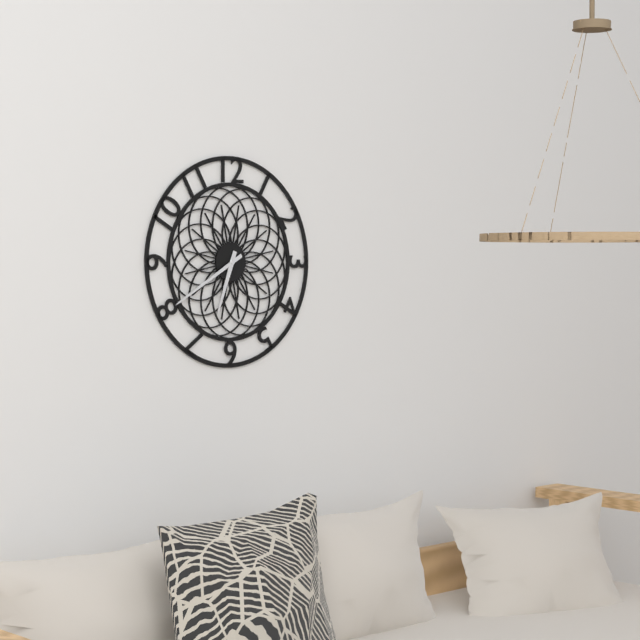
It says 6:40
